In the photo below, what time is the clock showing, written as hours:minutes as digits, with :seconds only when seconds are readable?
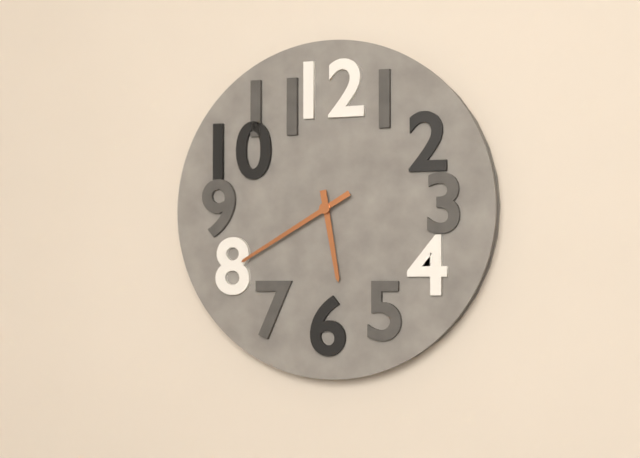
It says 5:40
